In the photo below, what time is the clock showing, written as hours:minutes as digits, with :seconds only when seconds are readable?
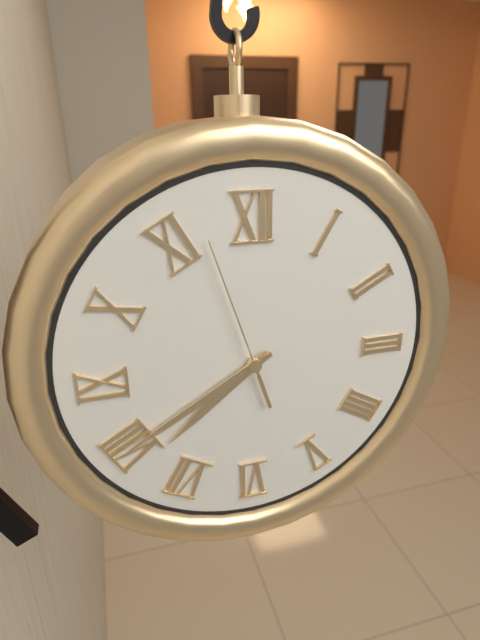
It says 7:40:57
